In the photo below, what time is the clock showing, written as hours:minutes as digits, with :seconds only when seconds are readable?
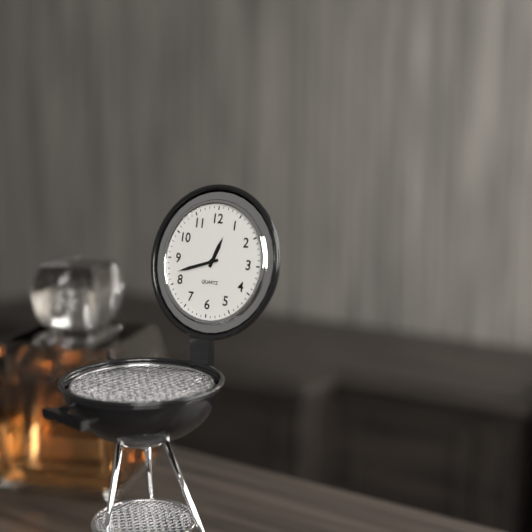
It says 12:42
